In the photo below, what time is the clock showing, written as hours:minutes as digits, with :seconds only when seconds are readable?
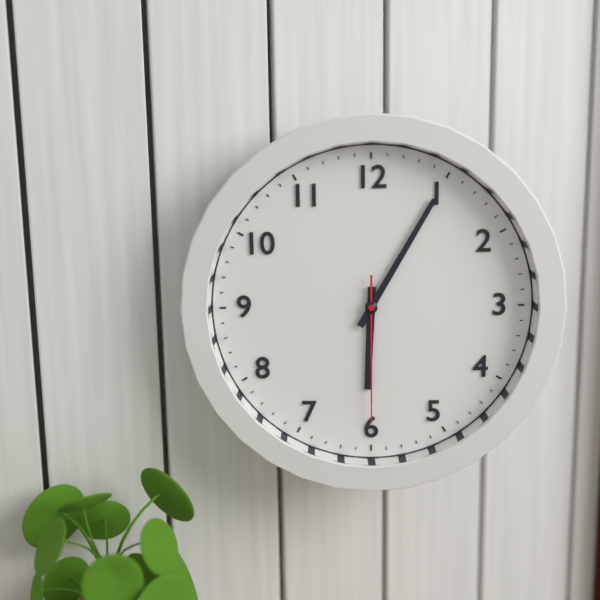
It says 6:05:30
